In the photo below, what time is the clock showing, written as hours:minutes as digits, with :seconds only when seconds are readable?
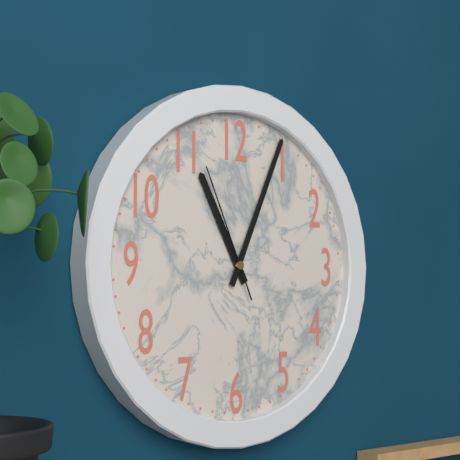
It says 11:04:56
